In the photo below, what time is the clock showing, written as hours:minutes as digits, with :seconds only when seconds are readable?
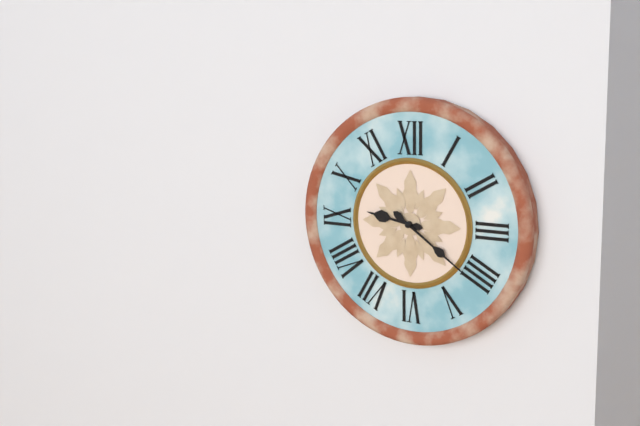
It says 9:21
